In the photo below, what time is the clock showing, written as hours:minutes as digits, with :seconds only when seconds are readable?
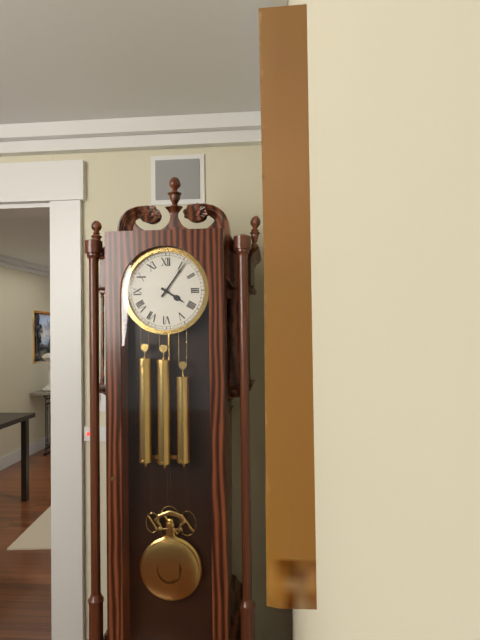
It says 4:06
